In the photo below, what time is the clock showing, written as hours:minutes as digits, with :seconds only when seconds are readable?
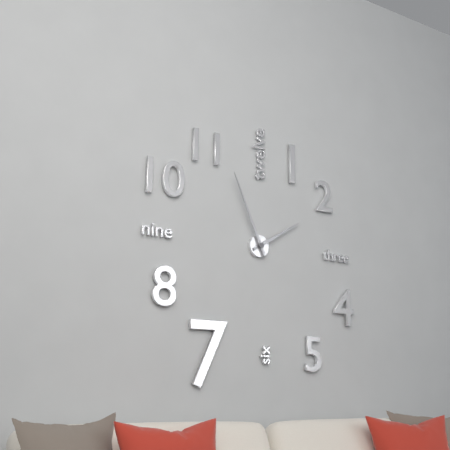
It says 1:56
